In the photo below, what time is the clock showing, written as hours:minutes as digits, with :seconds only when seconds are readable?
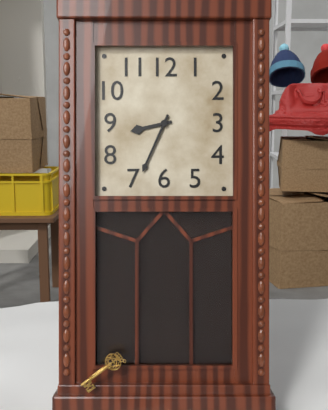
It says 8:34
